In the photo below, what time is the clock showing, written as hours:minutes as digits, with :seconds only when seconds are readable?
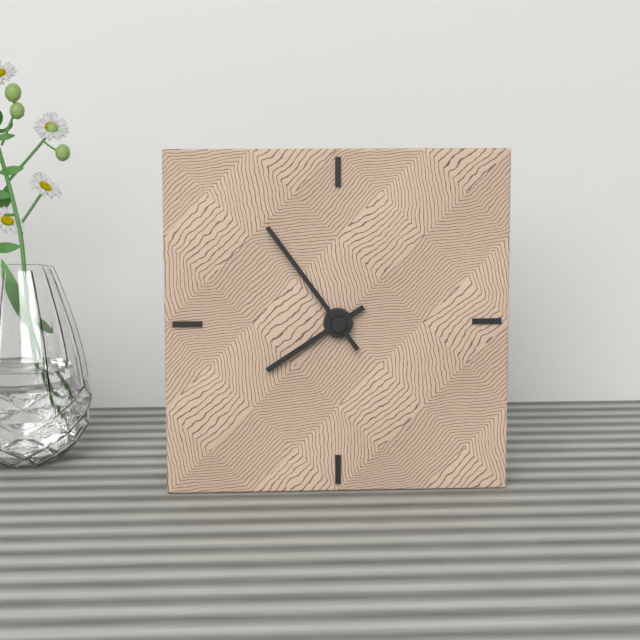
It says 7:54
